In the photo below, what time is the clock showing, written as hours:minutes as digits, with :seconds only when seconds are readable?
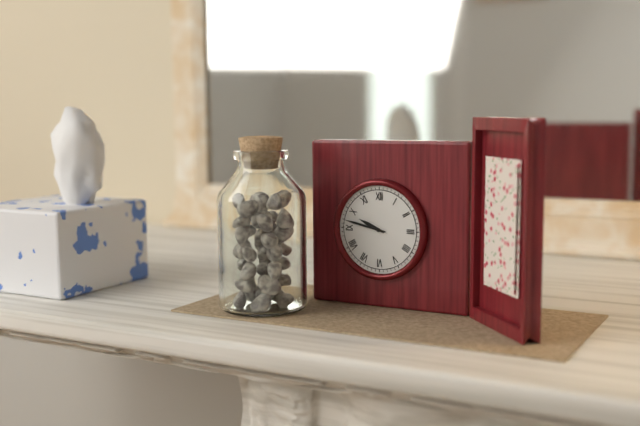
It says 9:47
